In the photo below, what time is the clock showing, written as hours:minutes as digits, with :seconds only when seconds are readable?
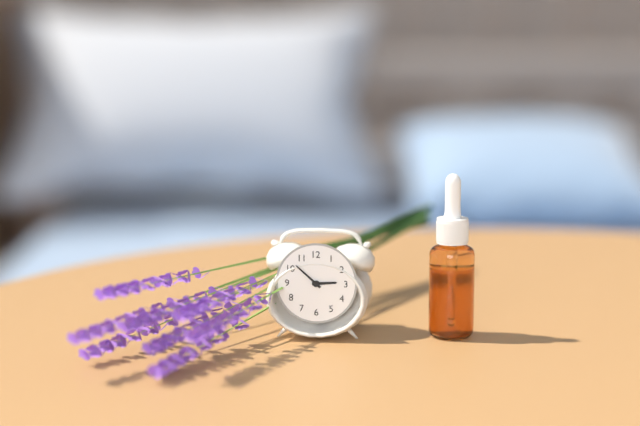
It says 2:52
